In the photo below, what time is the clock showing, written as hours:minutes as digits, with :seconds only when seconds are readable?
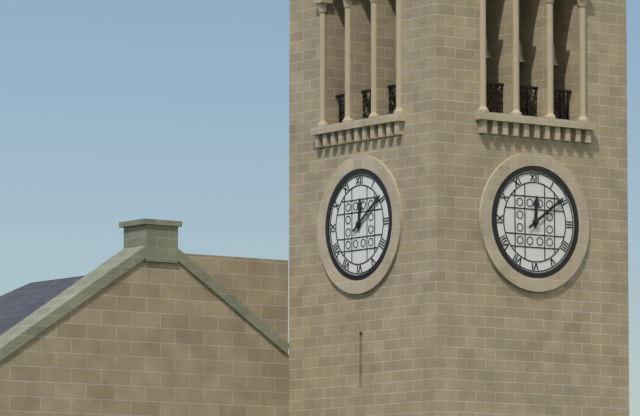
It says 12:09
